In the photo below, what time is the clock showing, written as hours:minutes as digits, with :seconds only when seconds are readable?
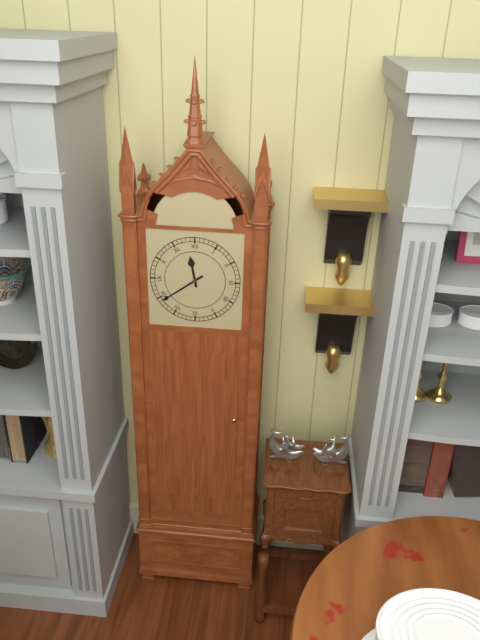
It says 11:39
